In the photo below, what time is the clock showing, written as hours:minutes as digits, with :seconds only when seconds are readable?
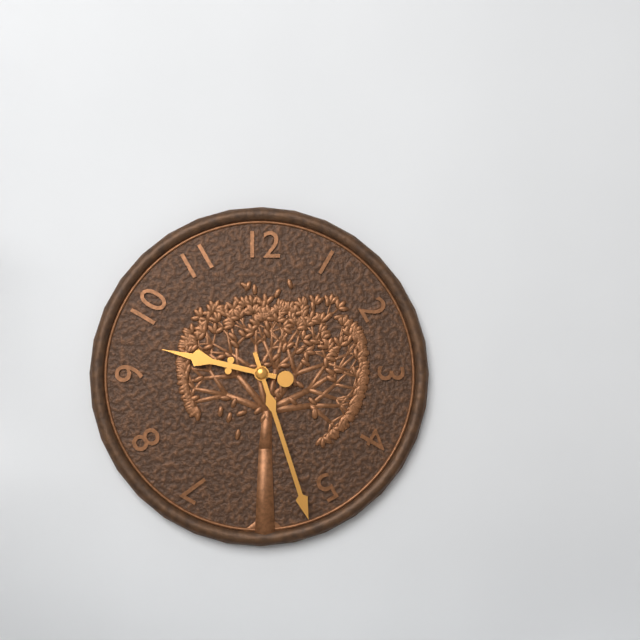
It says 9:27
